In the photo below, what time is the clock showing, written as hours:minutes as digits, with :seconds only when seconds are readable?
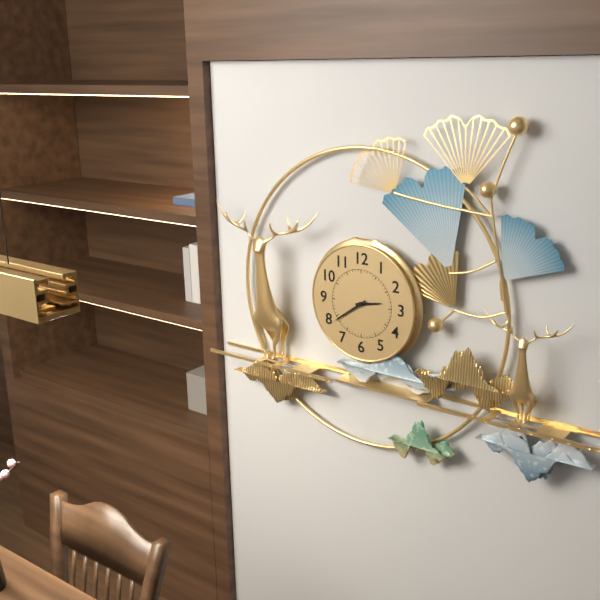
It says 2:39
